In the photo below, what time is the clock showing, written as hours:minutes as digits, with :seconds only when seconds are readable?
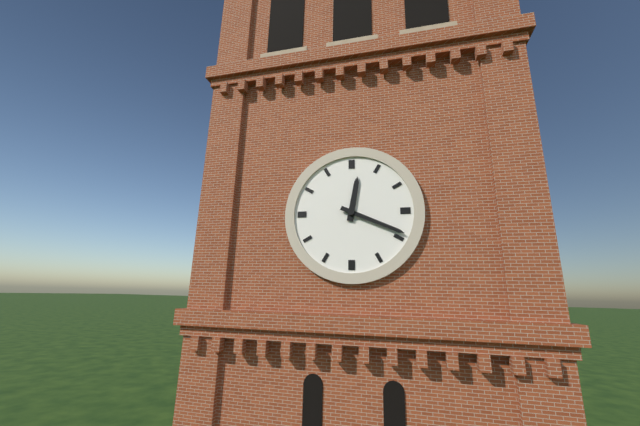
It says 12:19
